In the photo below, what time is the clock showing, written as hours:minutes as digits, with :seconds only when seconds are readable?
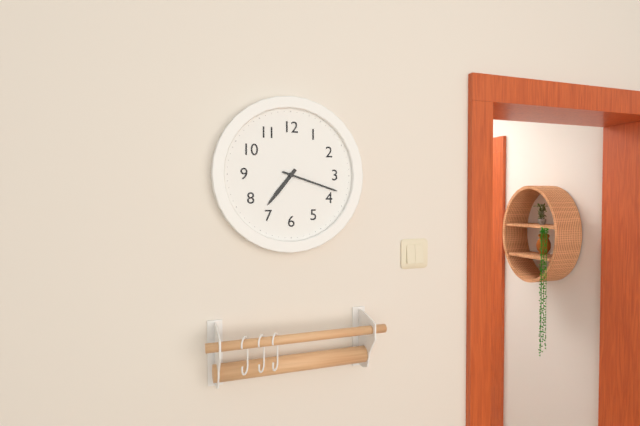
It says 7:18
